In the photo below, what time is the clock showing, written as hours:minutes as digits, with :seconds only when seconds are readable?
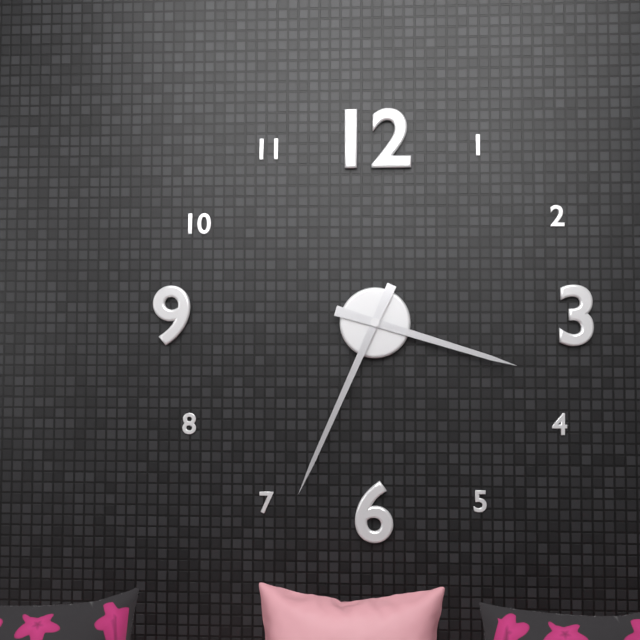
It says 3:34
